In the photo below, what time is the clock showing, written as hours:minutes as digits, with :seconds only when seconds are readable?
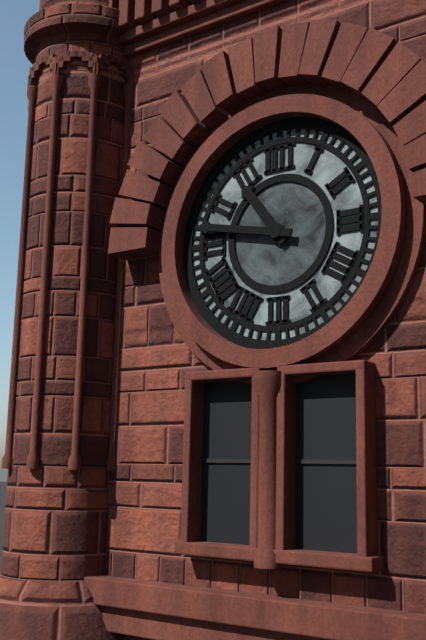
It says 10:47
